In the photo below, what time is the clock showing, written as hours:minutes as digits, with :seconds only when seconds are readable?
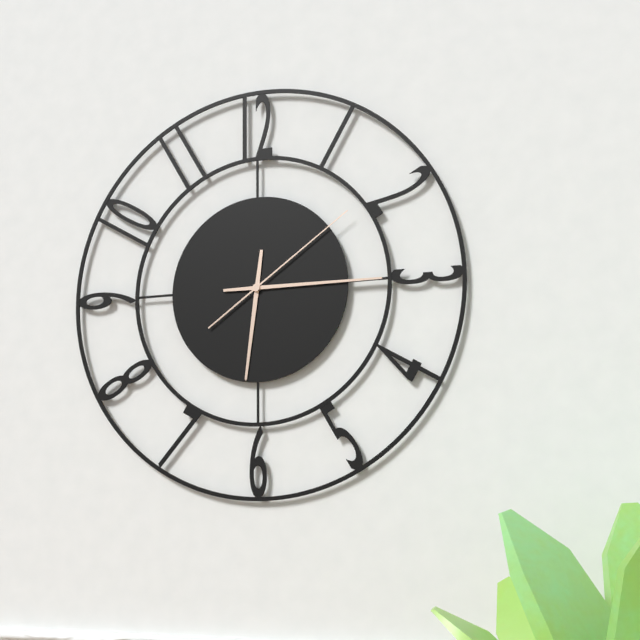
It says 6:15:09
